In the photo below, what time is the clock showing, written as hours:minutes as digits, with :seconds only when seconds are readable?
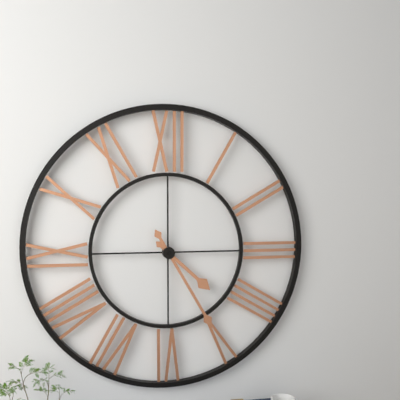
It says 4:25
